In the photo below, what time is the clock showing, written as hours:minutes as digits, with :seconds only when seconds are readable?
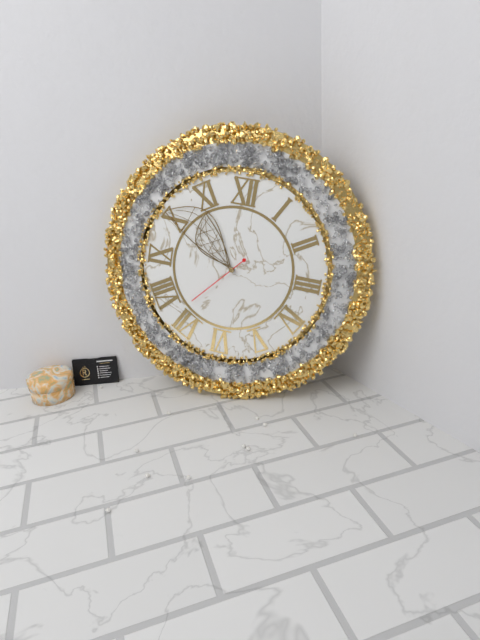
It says 10:50:37
